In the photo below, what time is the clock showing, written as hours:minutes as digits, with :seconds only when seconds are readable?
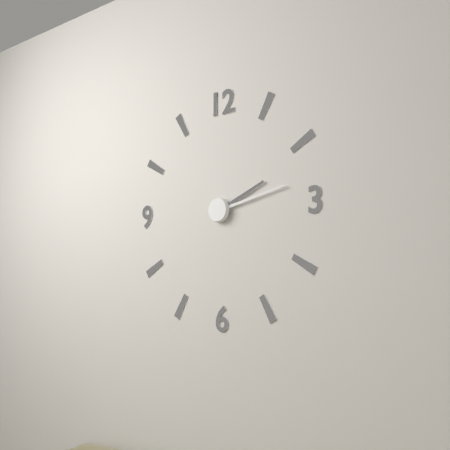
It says 2:13
